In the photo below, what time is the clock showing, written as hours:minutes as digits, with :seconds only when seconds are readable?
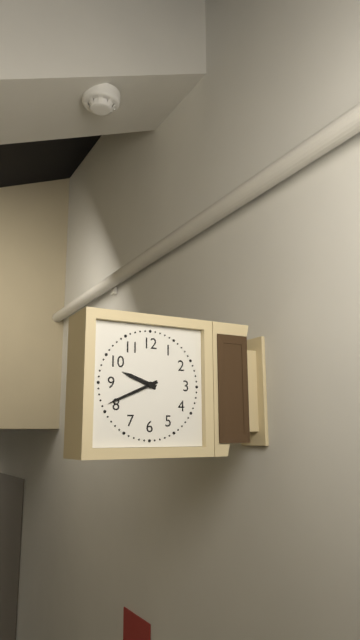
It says 9:41
